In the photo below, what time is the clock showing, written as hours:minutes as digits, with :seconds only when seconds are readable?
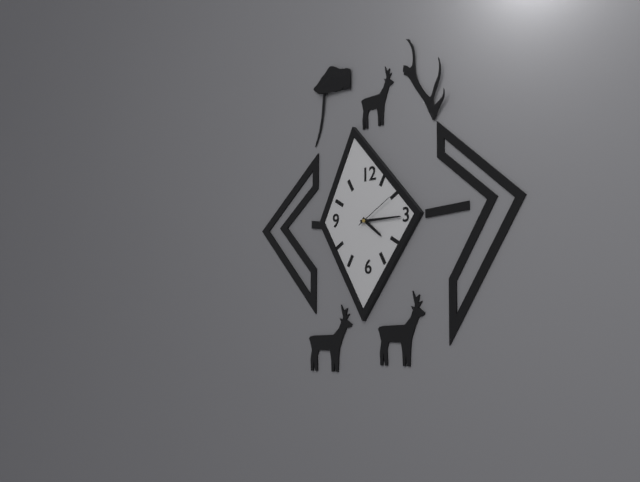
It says 4:15
